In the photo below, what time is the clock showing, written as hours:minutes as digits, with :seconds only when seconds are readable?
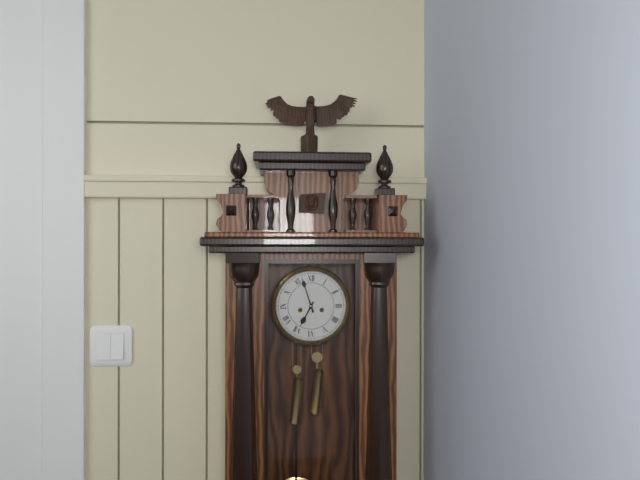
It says 6:57
